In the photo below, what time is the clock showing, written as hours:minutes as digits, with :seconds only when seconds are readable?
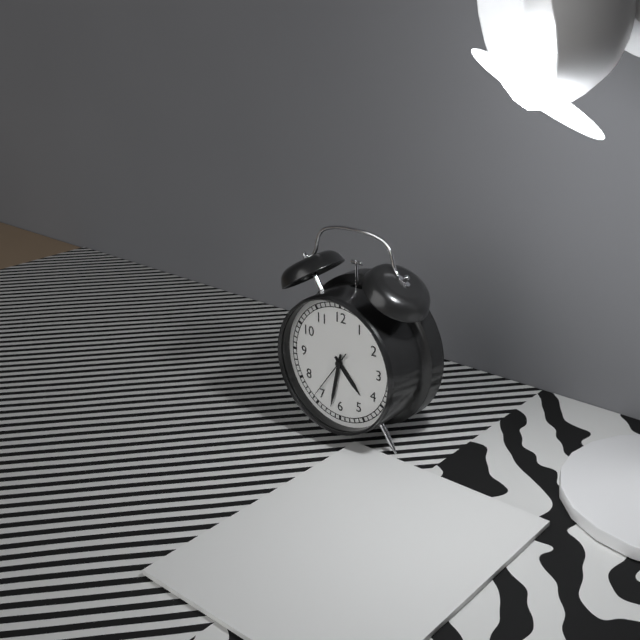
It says 4:32:36
